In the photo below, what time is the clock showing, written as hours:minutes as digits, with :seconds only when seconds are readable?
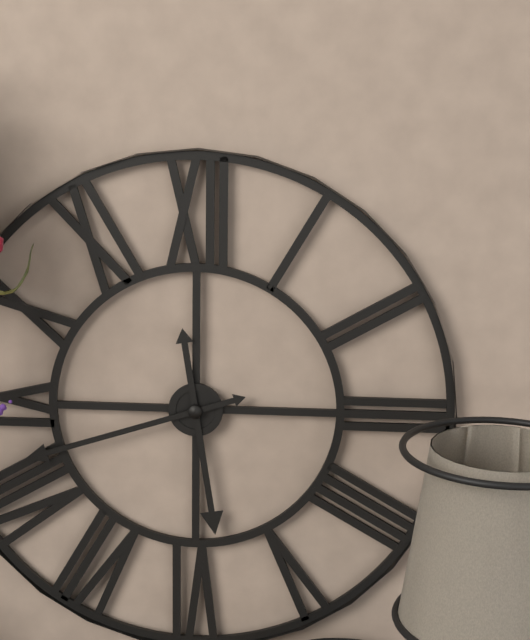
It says 5:42
